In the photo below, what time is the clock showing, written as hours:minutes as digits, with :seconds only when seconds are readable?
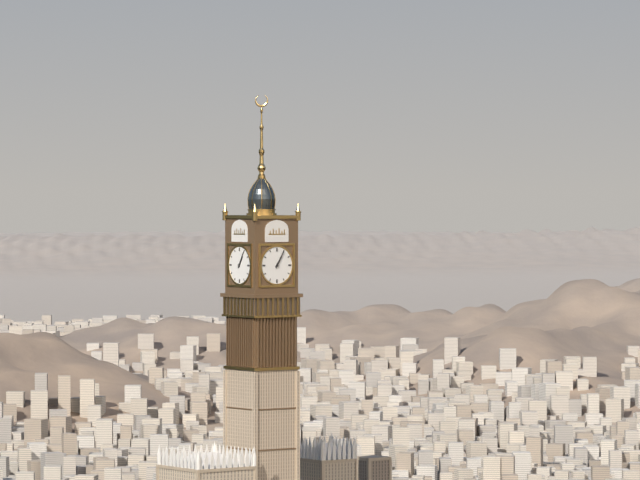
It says 1:05
